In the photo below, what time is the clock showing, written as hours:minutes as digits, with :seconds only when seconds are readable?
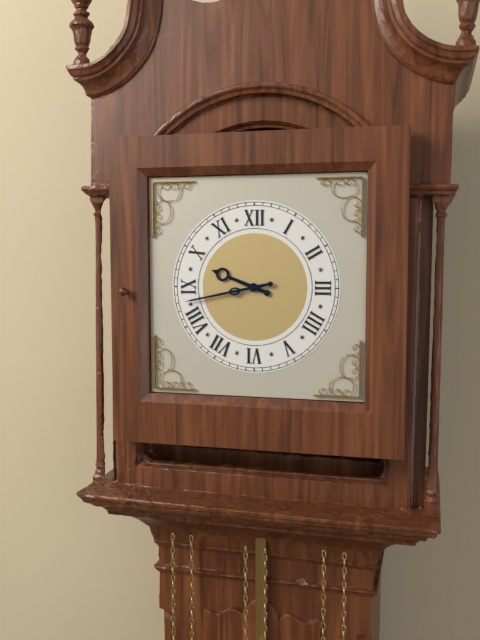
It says 9:43
